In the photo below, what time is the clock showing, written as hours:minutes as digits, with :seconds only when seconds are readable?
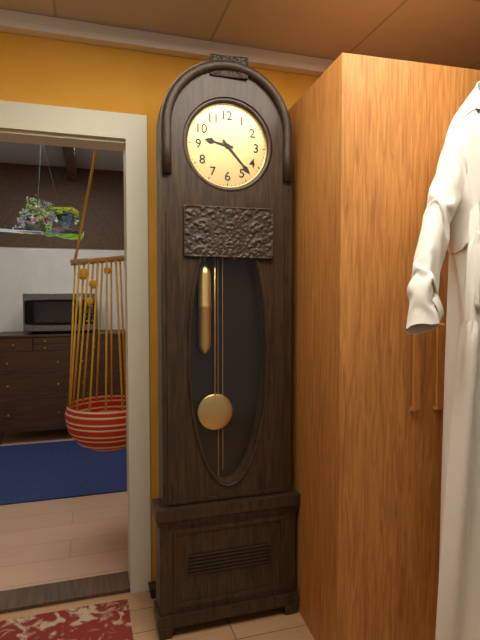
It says 9:23
